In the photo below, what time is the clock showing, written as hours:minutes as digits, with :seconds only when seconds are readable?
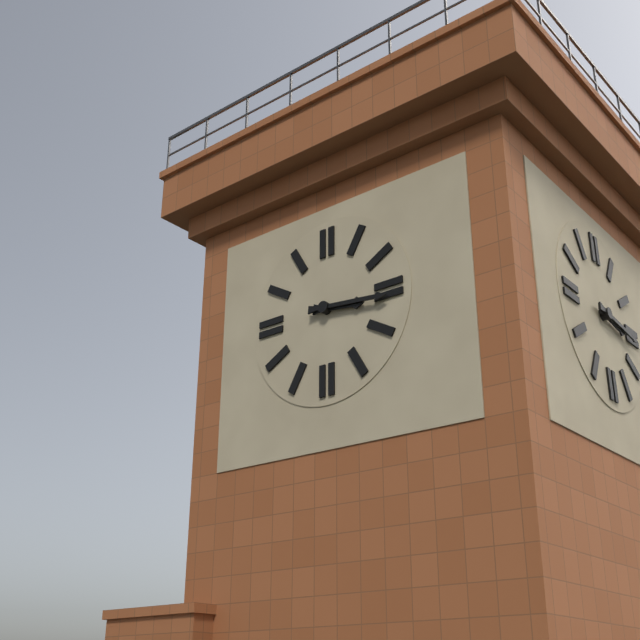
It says 3:16
